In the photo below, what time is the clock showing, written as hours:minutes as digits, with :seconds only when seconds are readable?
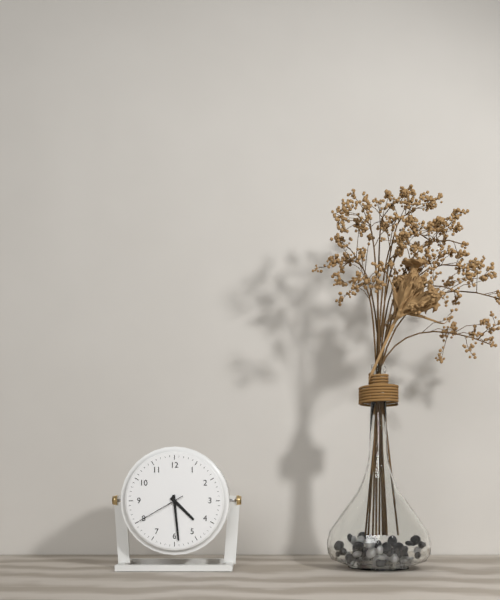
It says 4:29:40
